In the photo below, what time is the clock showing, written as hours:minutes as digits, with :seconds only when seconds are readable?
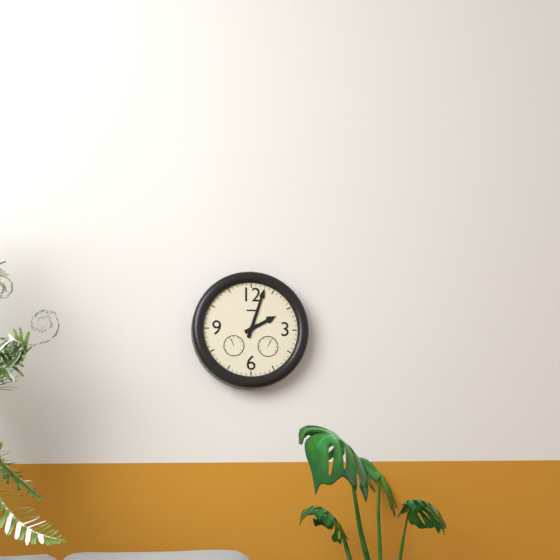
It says 2:03
